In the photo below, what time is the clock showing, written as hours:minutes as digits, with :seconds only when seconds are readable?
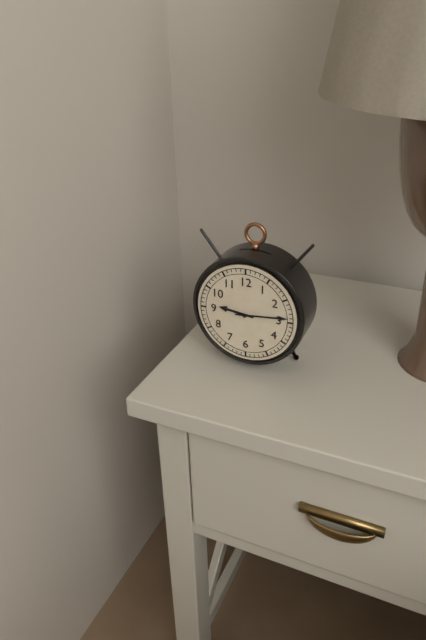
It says 9:14
